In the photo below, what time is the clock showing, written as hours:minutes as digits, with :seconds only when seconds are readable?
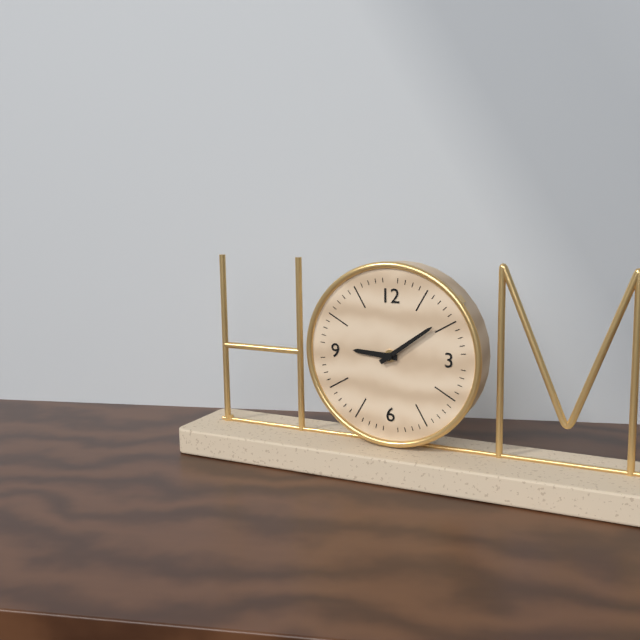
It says 9:09
